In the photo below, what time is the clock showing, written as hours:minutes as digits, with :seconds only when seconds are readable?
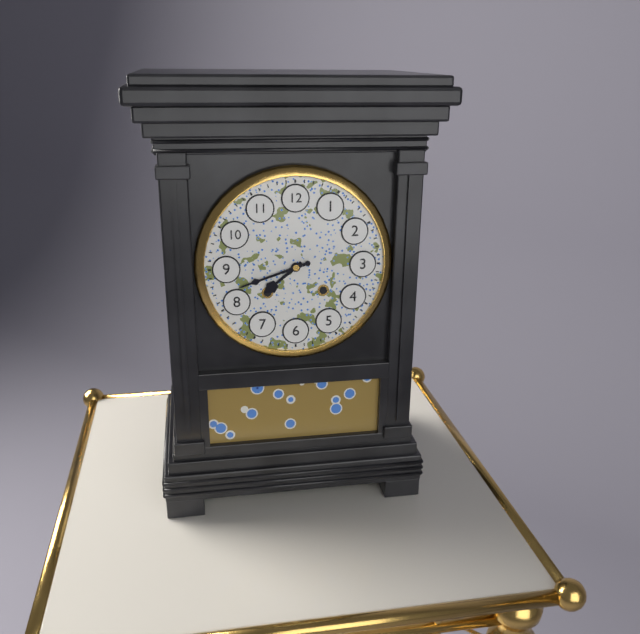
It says 7:42
